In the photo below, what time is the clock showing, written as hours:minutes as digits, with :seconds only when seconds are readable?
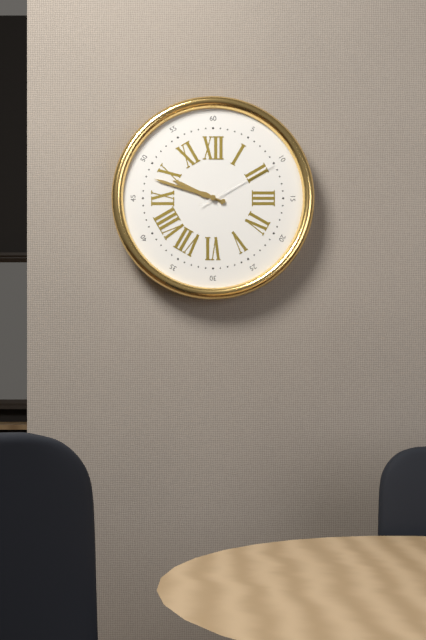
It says 9:48:10
